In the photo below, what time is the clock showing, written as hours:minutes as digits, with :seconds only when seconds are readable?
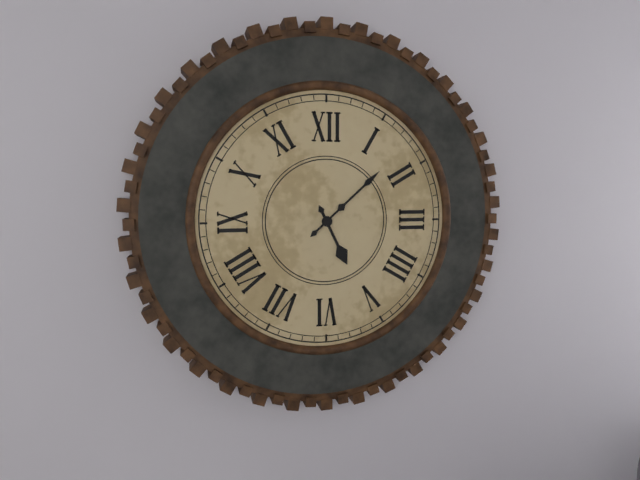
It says 5:08
